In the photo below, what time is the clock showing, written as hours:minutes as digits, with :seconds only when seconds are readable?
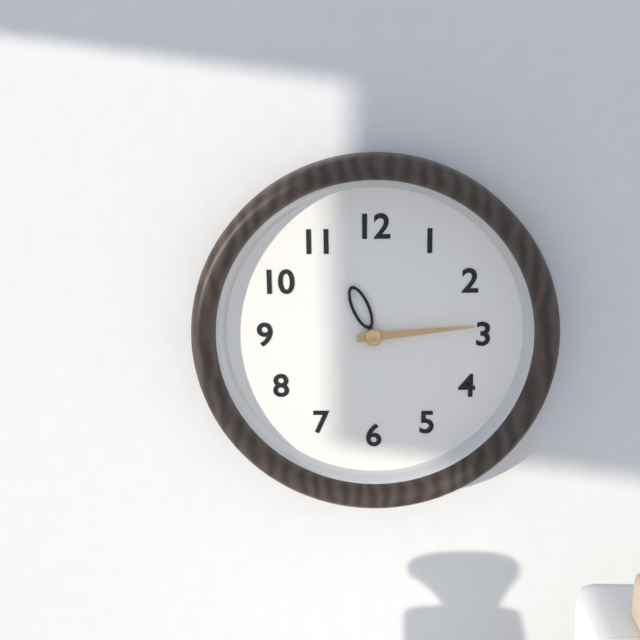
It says 11:14
